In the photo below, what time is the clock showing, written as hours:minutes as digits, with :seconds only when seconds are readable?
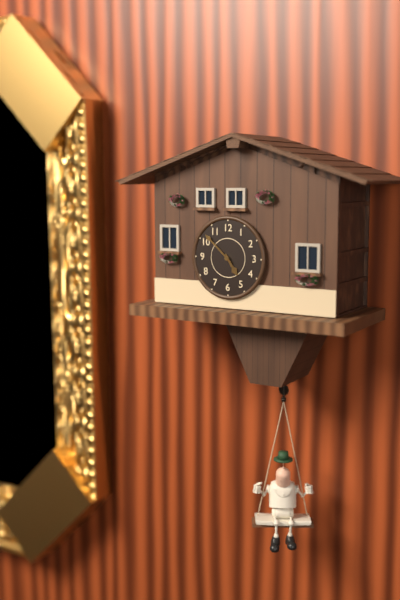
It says 4:52
